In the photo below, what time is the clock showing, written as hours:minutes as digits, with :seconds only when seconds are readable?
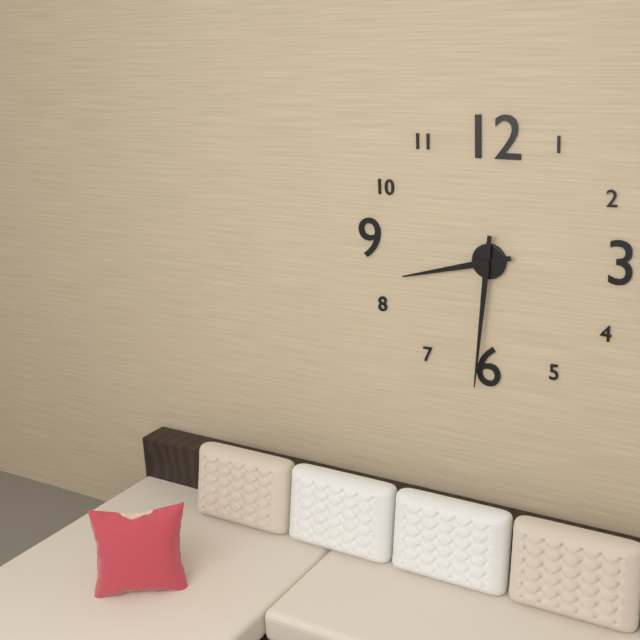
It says 8:31
